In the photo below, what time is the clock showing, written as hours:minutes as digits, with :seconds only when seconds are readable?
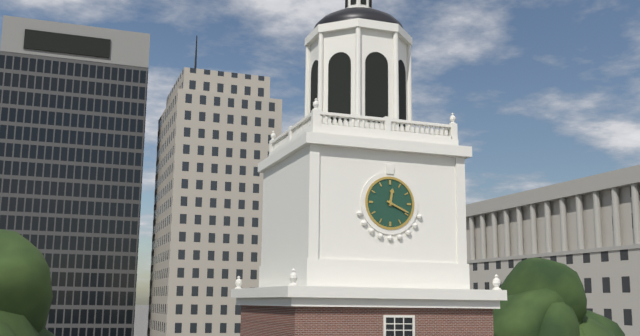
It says 12:19
